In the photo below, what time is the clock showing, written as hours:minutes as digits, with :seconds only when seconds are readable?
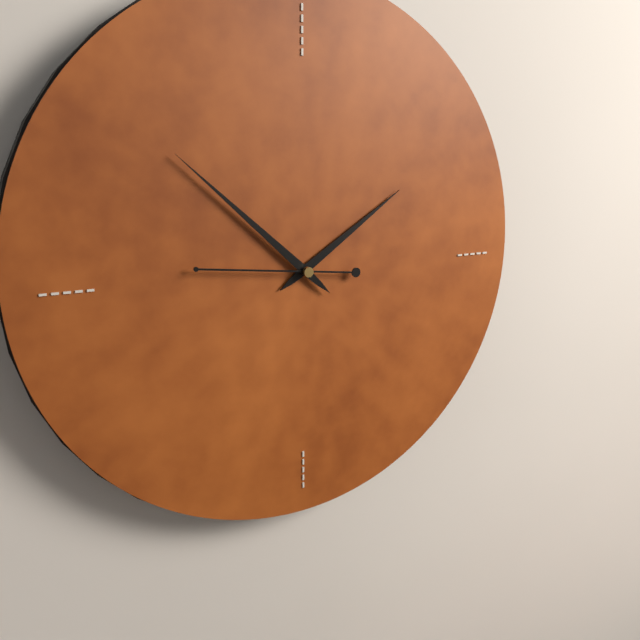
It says 1:52:46
